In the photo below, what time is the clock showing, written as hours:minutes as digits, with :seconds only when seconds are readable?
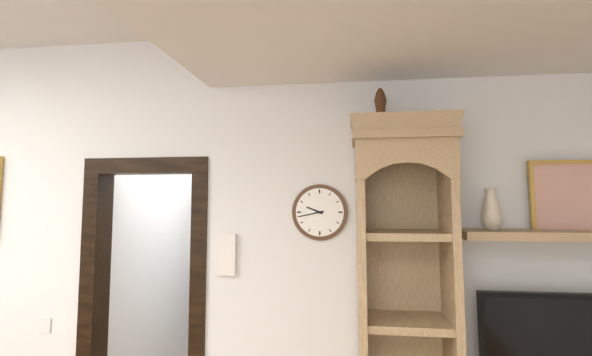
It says 9:43
